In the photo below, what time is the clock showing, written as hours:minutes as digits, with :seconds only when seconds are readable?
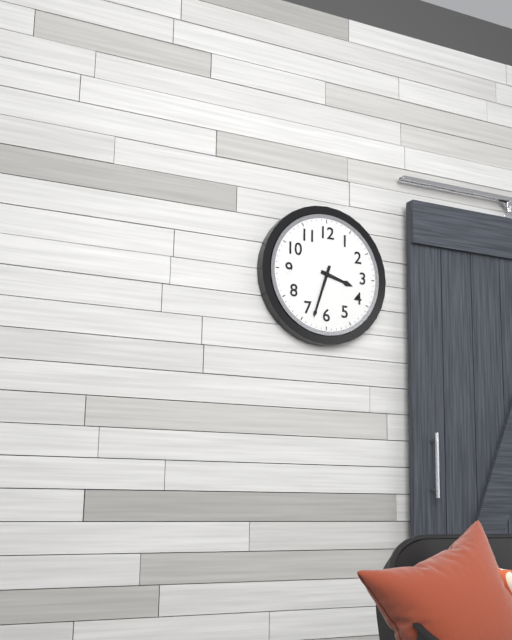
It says 3:33
